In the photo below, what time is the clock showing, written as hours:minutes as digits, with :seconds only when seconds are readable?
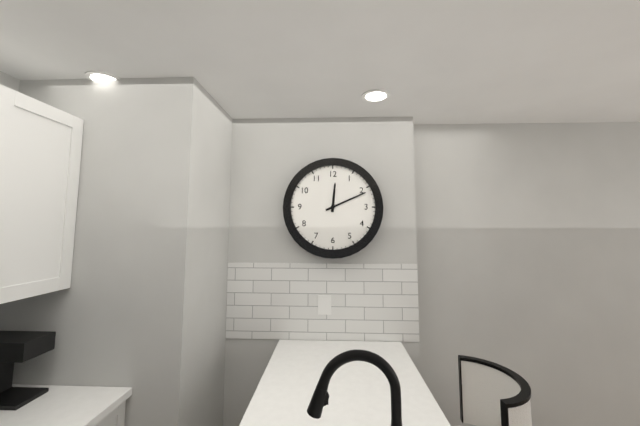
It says 12:11
